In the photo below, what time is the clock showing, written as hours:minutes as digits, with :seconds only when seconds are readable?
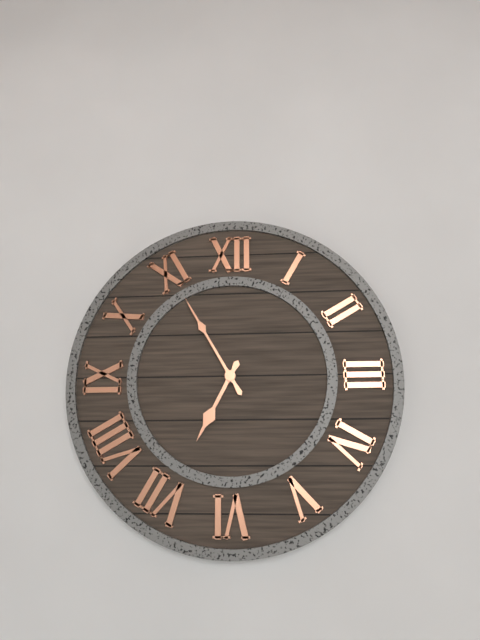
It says 6:55
